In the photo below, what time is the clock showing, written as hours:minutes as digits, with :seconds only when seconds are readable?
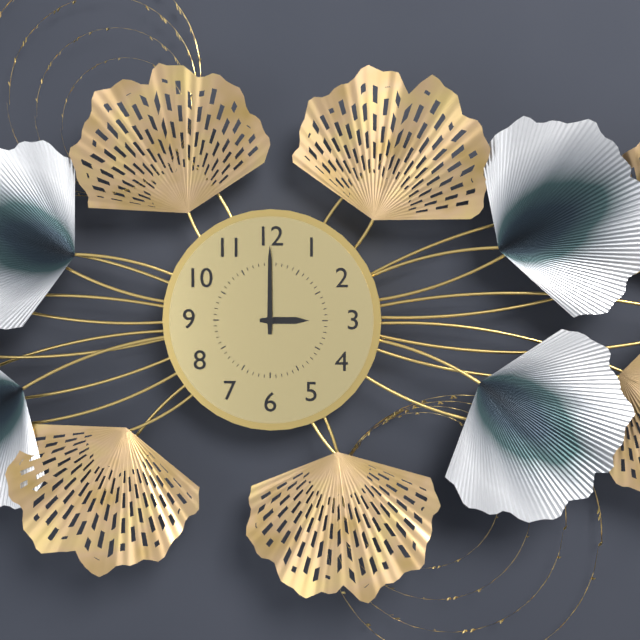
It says 3:00
